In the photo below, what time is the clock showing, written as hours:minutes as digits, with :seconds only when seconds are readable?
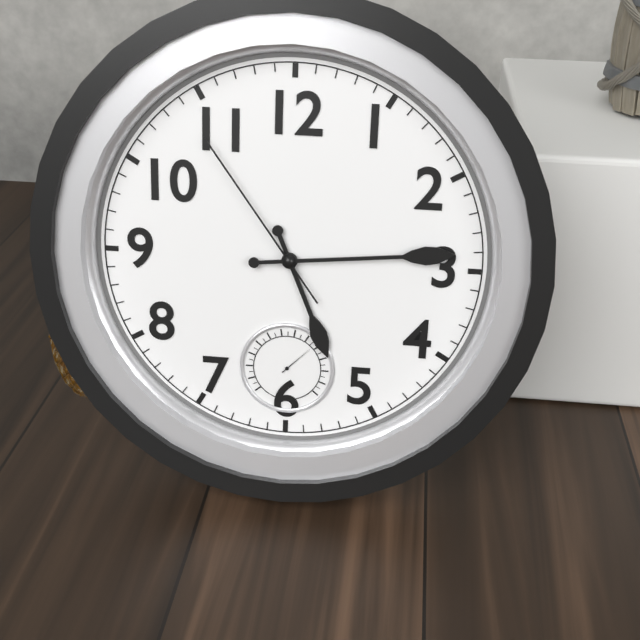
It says 5:14:54
